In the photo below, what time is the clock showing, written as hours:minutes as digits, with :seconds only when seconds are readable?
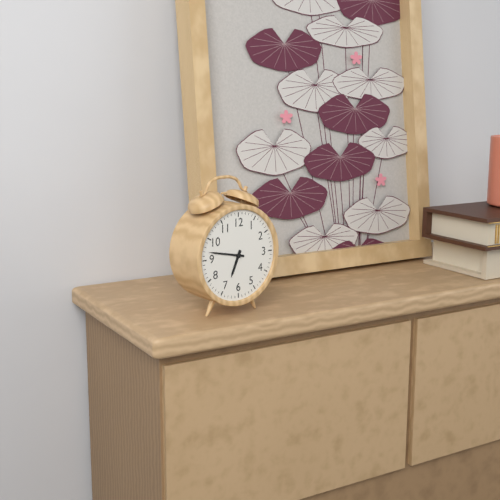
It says 6:47
